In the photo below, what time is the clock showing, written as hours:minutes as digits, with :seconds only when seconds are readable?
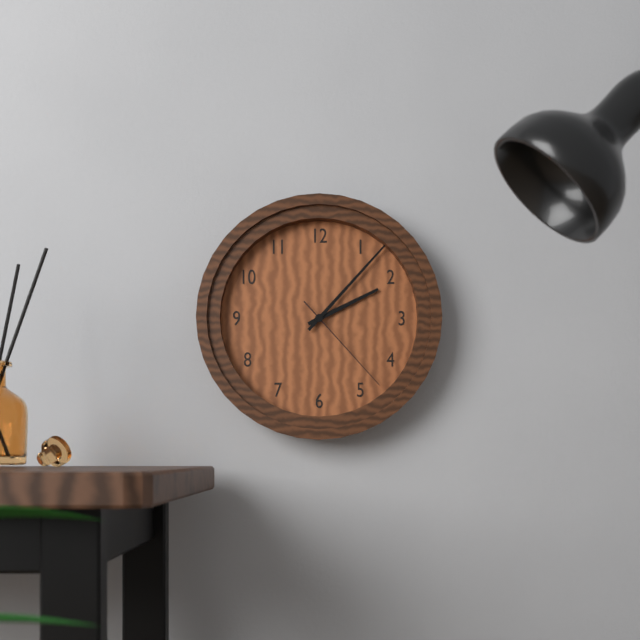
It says 2:07:23
